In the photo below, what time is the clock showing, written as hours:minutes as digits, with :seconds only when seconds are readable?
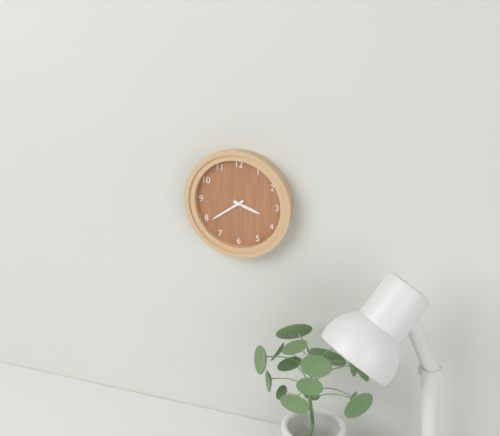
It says 3:39
